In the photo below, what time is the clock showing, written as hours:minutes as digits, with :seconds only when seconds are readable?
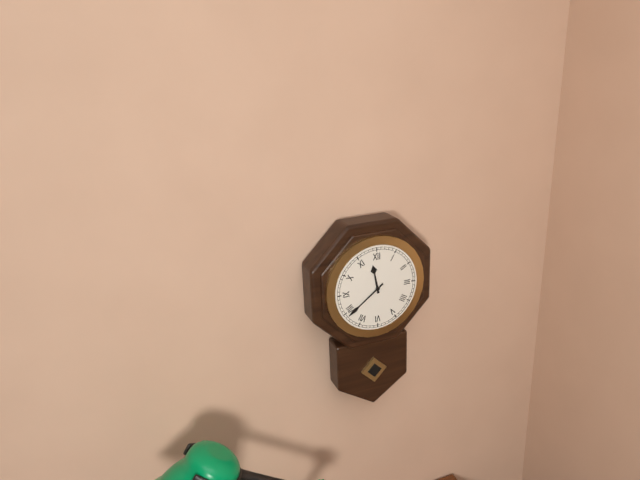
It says 11:39
